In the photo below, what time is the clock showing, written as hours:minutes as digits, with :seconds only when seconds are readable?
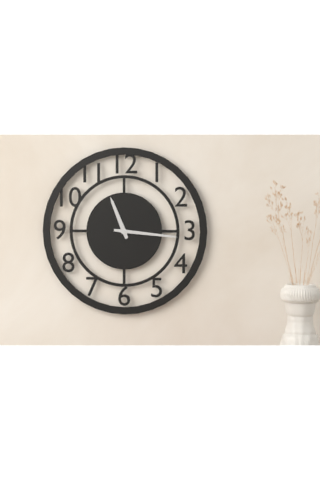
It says 11:16
